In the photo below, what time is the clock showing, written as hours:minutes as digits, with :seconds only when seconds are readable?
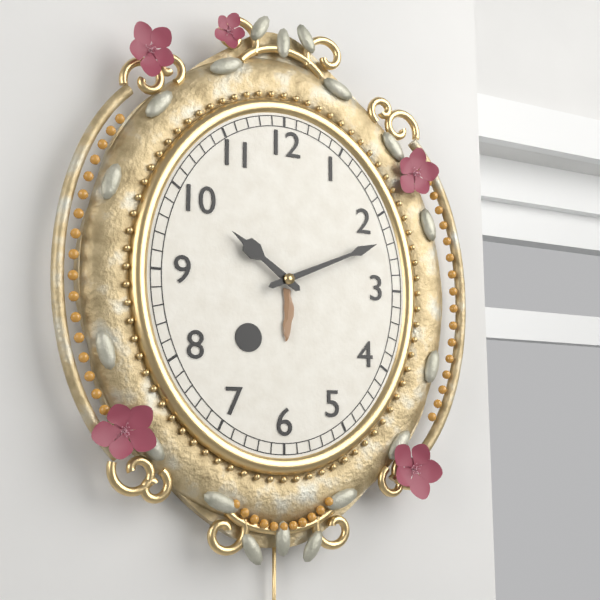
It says 10:11
